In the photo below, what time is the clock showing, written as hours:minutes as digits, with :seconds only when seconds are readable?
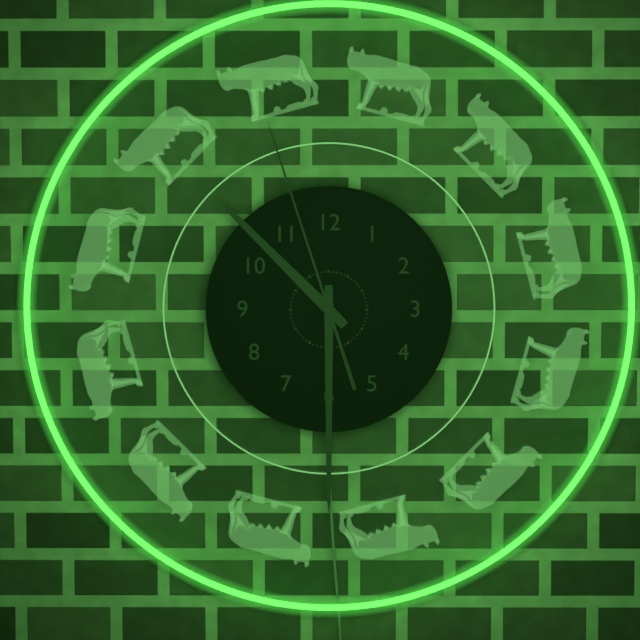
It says 10:30:57
